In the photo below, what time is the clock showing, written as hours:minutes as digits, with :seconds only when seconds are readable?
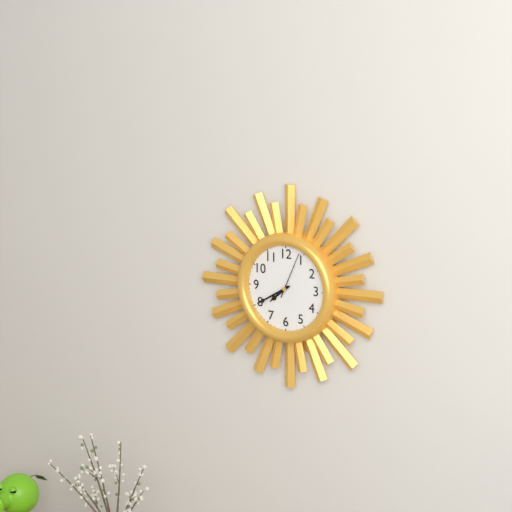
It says 7:40
